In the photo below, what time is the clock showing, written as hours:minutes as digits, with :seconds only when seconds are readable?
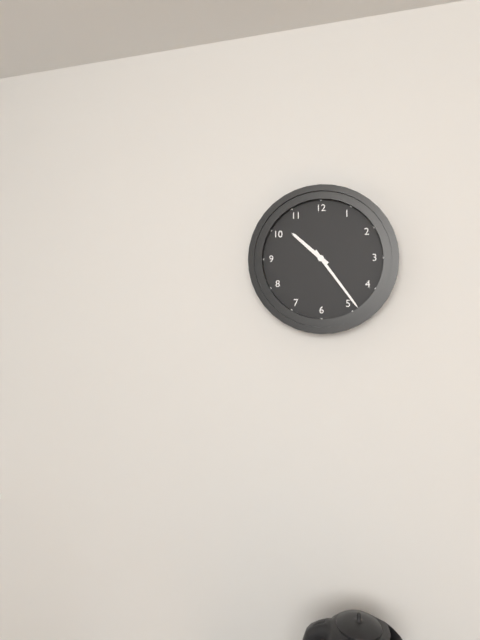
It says 10:24
